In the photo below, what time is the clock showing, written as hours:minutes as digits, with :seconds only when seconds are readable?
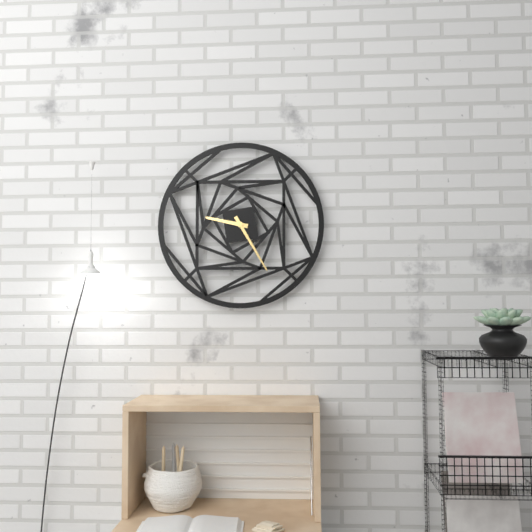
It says 9:25
